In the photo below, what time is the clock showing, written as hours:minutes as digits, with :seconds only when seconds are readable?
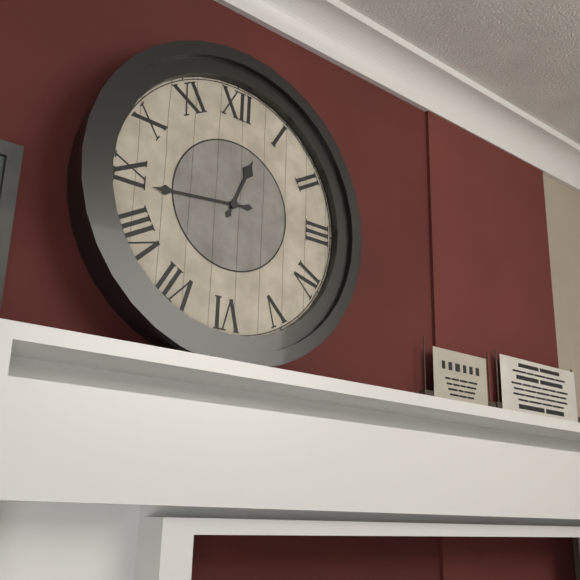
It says 12:44
